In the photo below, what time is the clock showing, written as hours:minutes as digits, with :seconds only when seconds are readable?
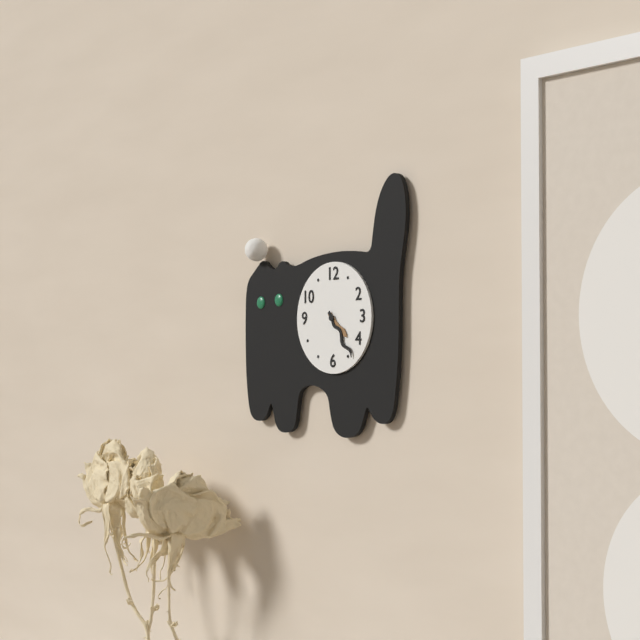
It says 4:24
